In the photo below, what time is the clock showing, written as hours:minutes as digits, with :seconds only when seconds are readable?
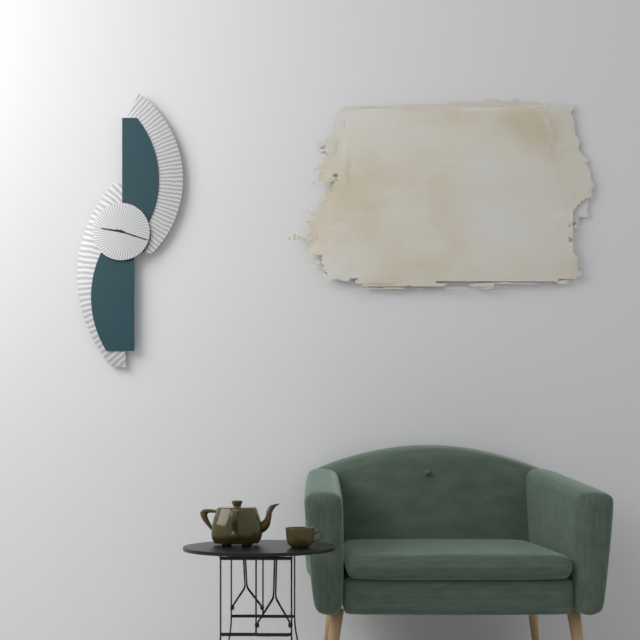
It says 9:18
